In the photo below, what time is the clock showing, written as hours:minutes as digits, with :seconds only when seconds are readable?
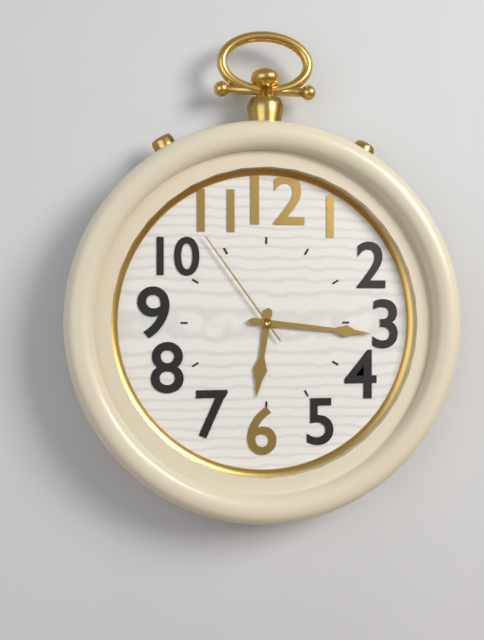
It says 6:16:54
